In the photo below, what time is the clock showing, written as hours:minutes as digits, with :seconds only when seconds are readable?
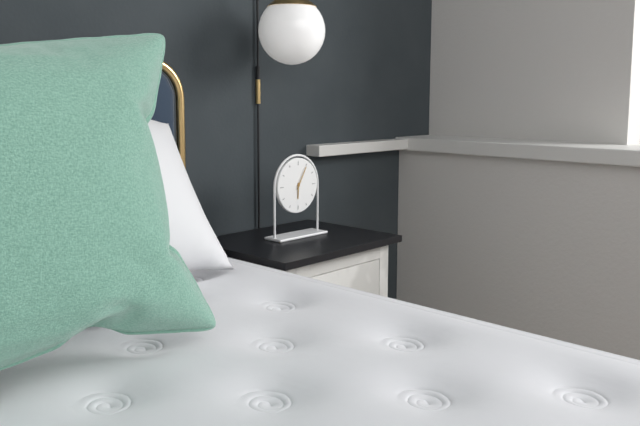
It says 6:05
